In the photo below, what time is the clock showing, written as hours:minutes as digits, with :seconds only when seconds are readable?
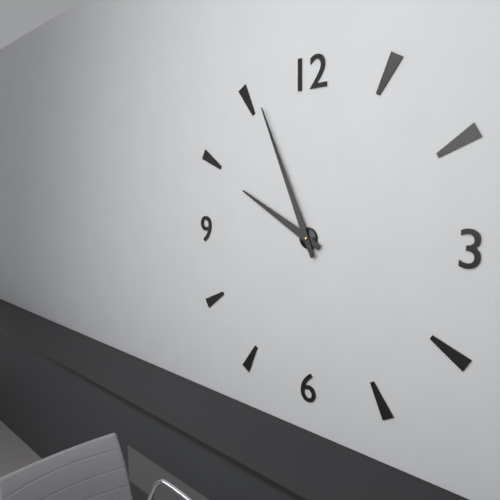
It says 9:56
